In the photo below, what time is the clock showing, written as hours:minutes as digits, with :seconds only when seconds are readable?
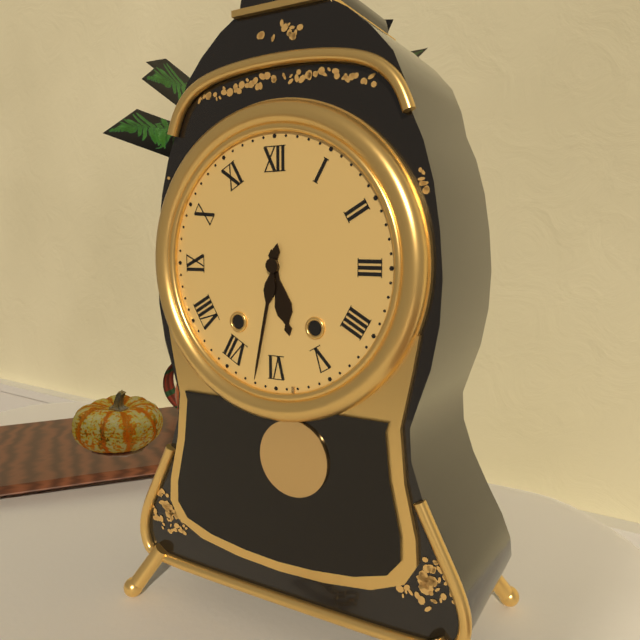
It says 5:32
